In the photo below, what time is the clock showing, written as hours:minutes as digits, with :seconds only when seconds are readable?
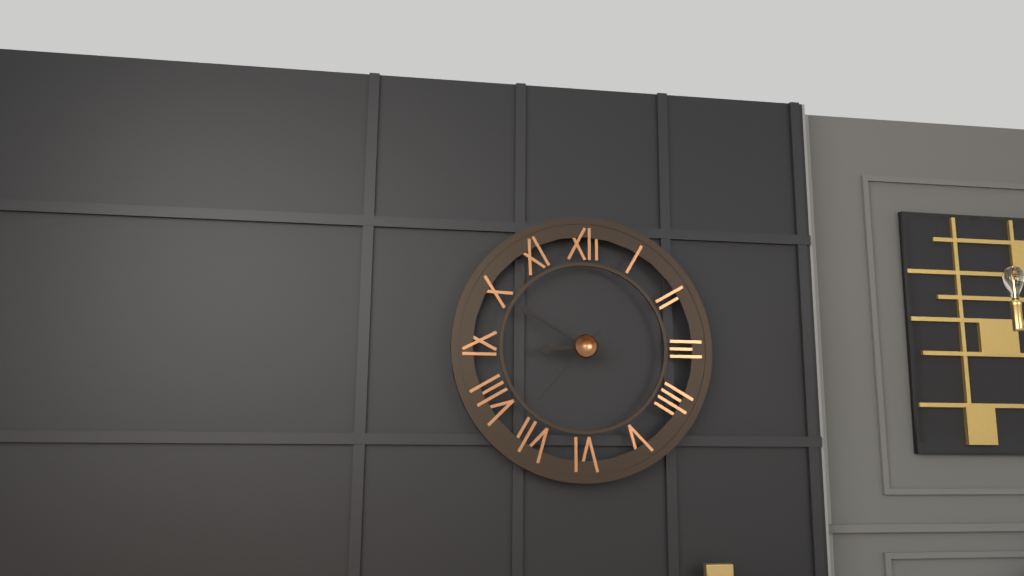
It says 8:50:37
